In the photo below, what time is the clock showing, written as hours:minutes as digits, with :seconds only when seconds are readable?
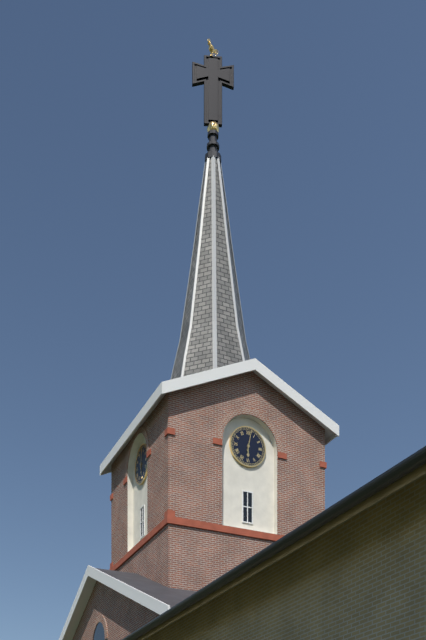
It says 6:02
